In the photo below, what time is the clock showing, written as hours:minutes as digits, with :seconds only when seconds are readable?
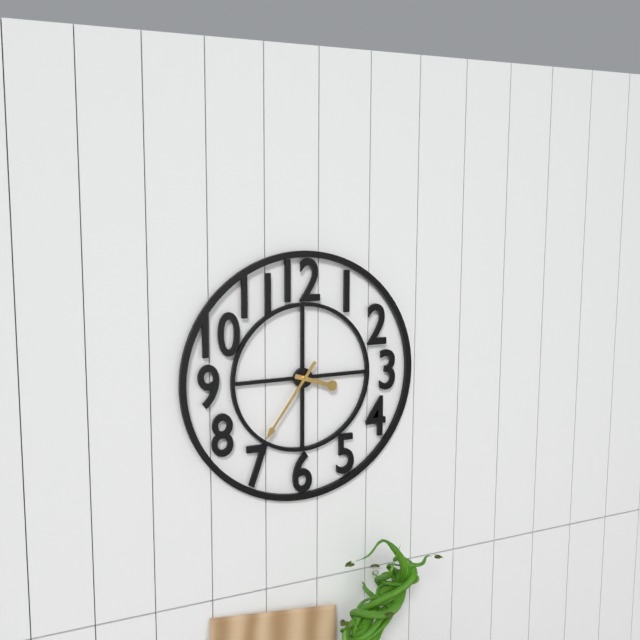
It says 3:36
